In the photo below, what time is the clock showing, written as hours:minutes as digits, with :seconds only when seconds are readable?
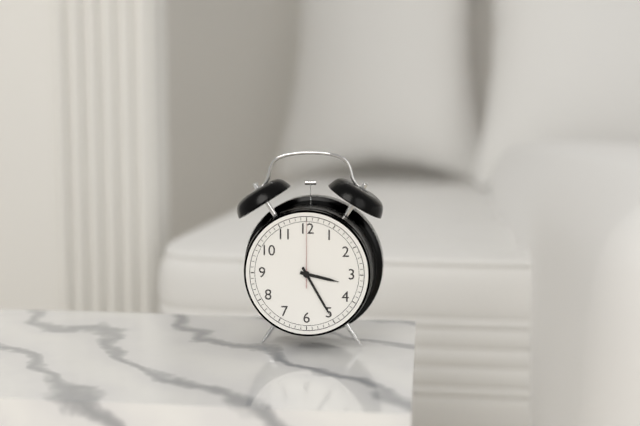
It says 3:25:00
